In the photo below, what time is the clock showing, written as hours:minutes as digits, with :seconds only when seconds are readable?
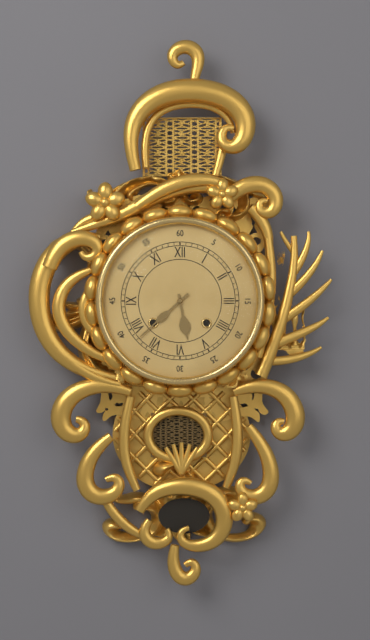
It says 5:38
